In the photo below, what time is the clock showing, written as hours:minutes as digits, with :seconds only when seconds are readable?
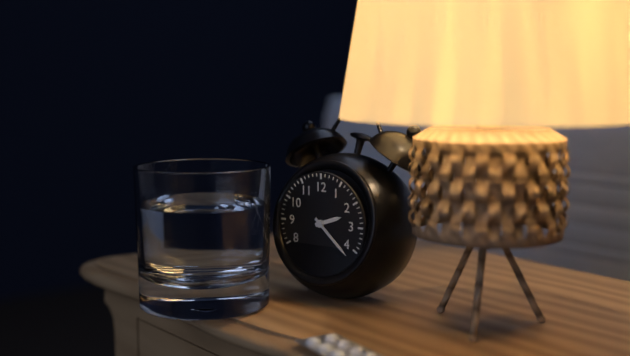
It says 2:22
